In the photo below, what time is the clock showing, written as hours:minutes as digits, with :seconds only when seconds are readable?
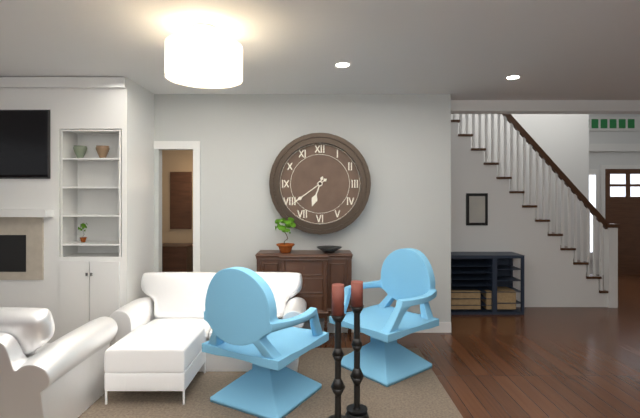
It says 6:39
